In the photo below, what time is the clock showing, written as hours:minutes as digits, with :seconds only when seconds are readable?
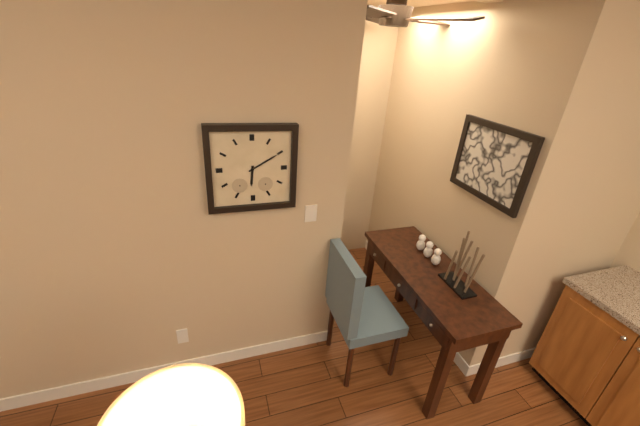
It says 6:10
